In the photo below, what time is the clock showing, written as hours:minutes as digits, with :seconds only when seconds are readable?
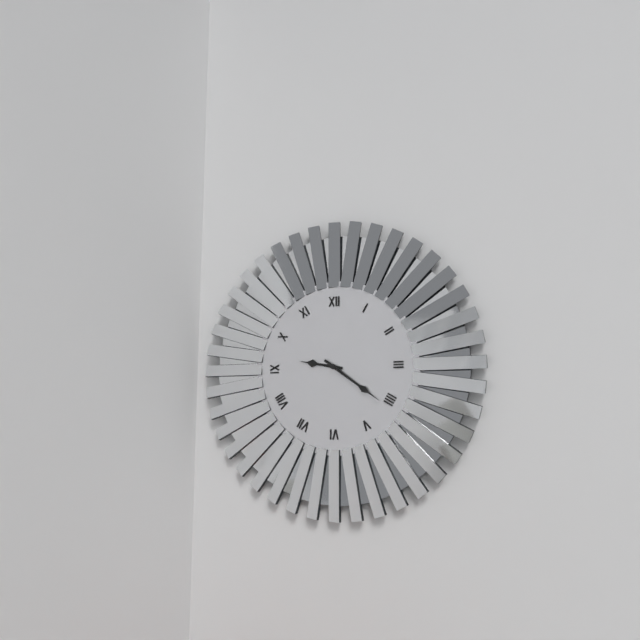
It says 9:21
